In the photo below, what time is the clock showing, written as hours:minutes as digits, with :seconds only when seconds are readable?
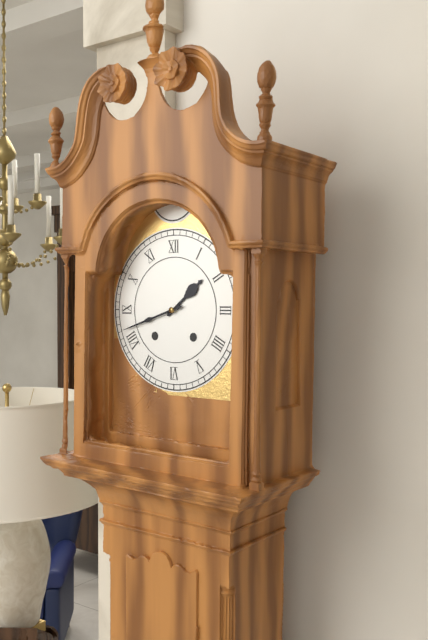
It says 1:42
